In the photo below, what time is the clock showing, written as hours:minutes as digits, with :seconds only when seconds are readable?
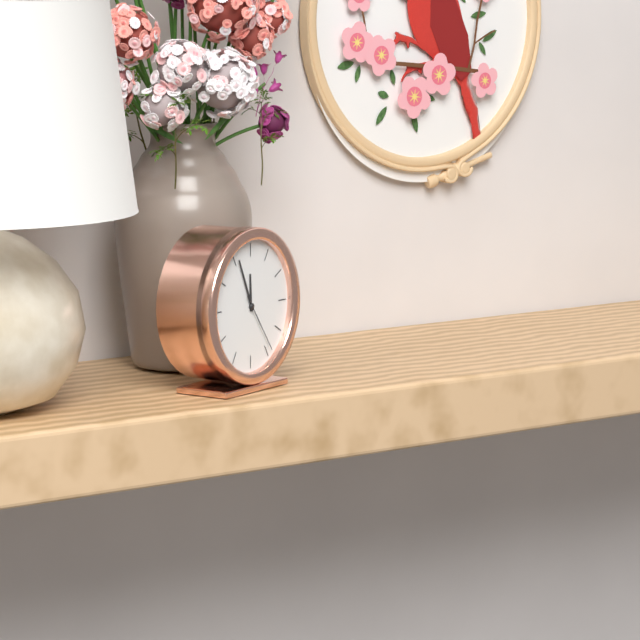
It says 11:56:24
